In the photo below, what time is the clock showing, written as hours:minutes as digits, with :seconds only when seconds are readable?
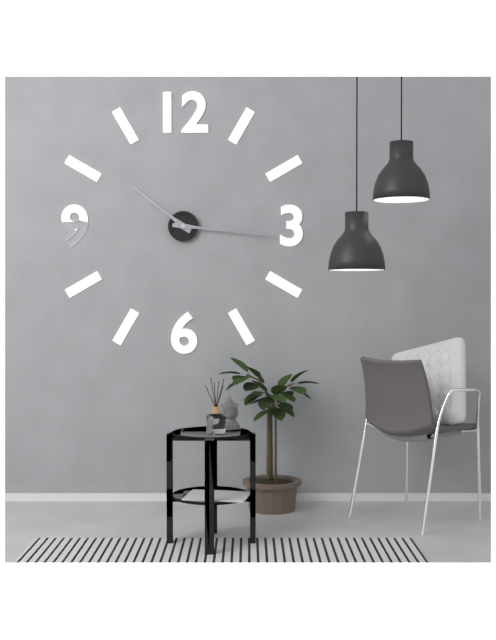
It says 10:16
